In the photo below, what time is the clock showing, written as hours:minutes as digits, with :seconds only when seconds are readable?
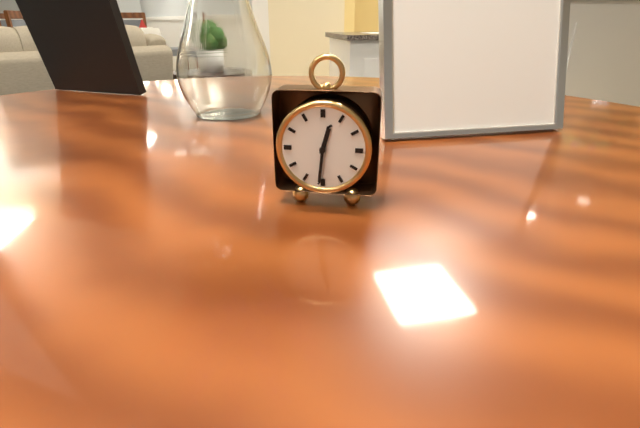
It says 12:31
